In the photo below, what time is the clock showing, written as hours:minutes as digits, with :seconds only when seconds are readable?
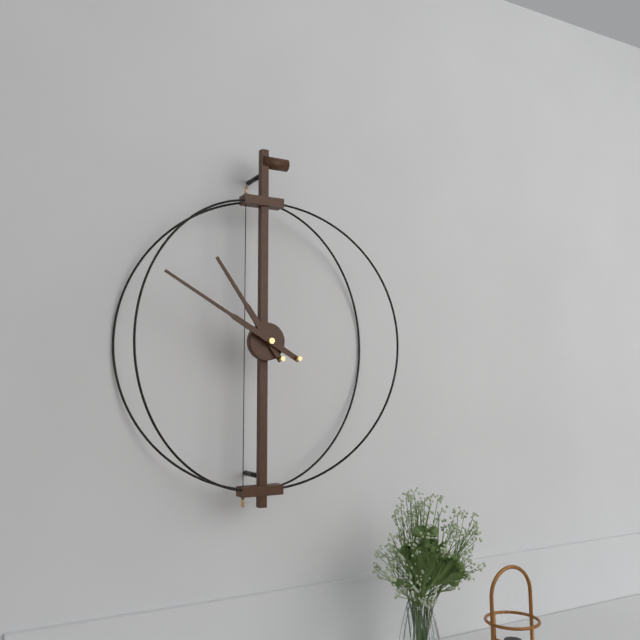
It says 10:50
